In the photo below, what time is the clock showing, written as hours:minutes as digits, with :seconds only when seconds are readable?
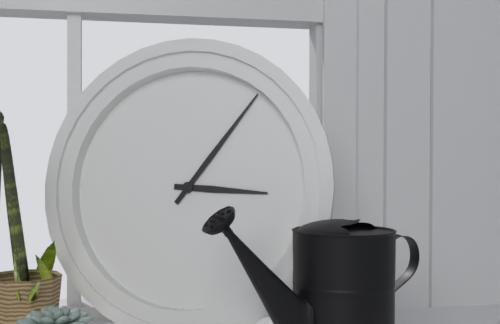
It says 3:06
